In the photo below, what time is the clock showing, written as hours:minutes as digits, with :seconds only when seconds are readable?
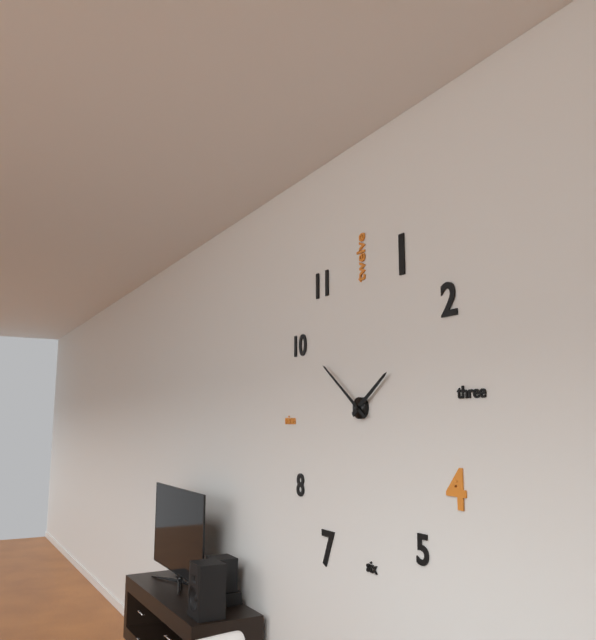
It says 1:51
